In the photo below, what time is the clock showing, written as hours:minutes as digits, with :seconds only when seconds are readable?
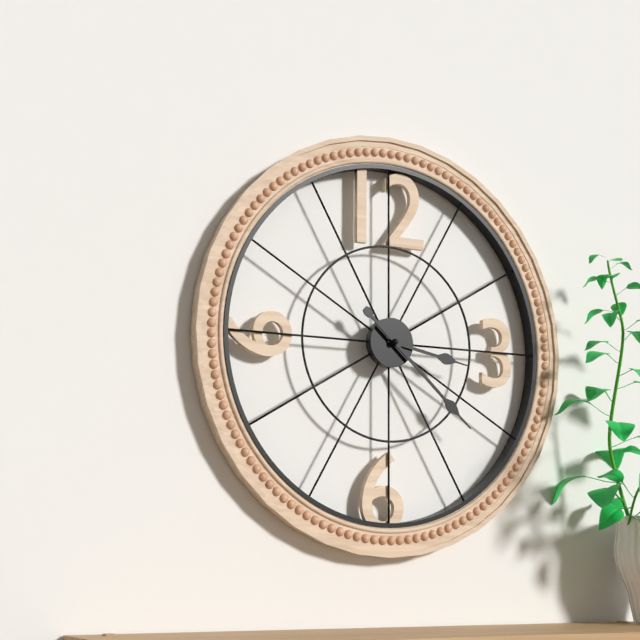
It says 3:22
